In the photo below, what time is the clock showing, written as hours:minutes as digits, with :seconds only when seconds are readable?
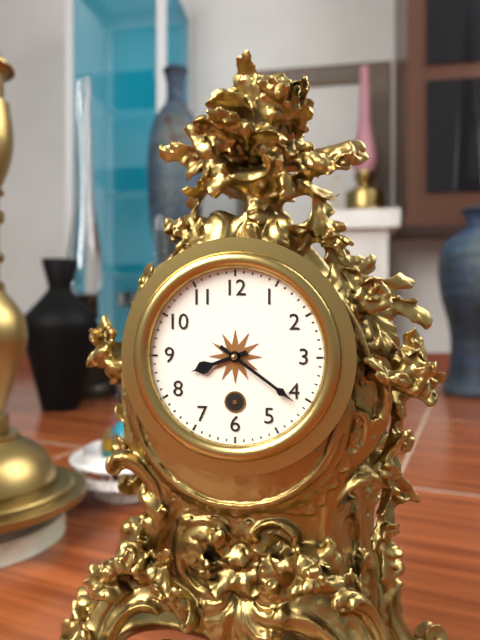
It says 8:21
